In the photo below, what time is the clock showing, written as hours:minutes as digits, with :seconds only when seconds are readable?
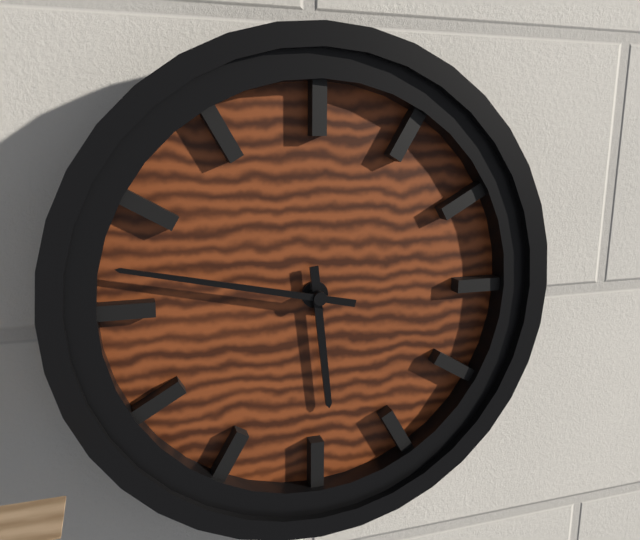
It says 5:47
